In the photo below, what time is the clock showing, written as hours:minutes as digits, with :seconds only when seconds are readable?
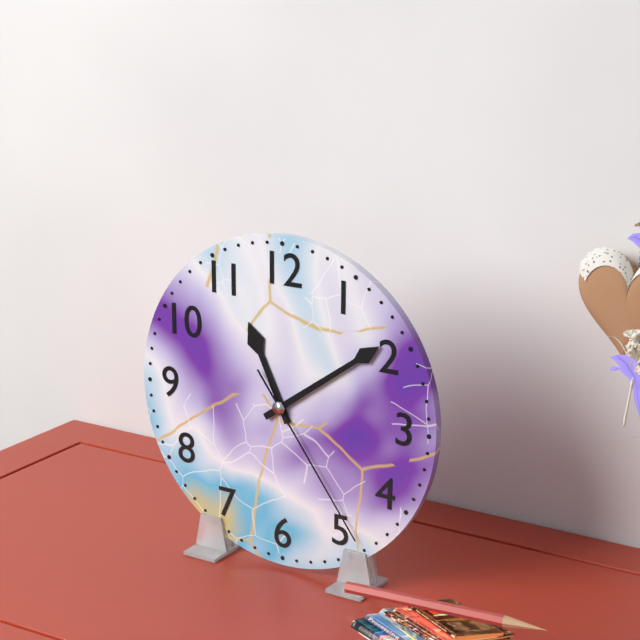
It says 11:09:24
